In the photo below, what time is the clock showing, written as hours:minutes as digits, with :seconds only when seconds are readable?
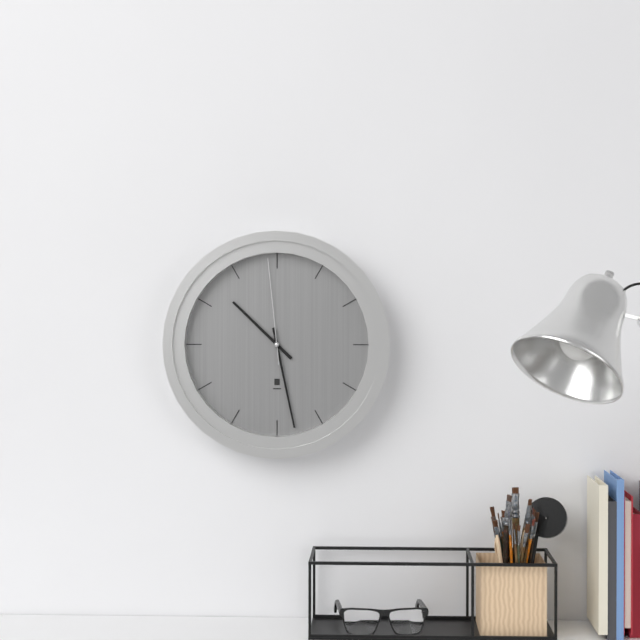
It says 10:28:59
